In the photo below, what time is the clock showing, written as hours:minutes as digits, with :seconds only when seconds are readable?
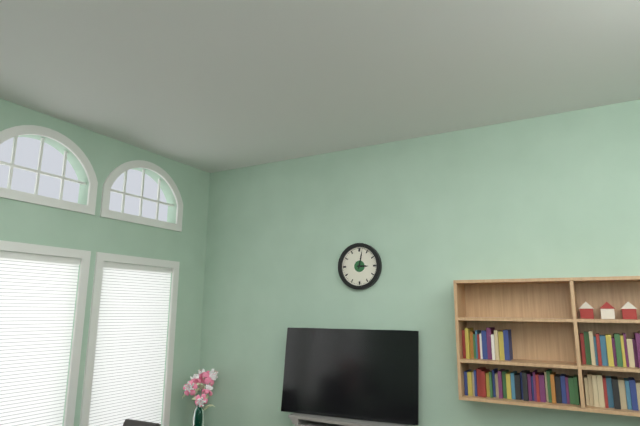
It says 3:02
